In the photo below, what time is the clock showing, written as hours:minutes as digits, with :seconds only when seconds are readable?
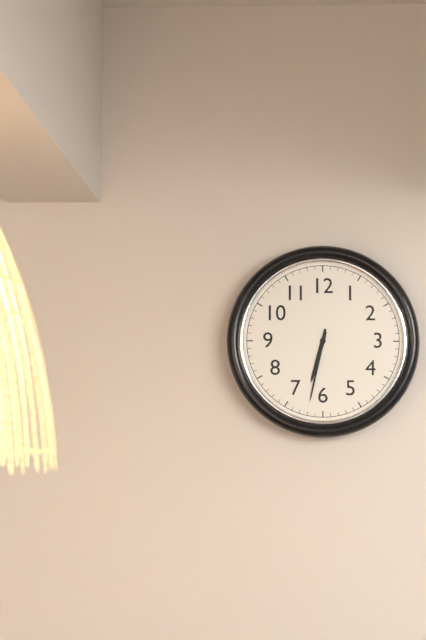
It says 6:32
